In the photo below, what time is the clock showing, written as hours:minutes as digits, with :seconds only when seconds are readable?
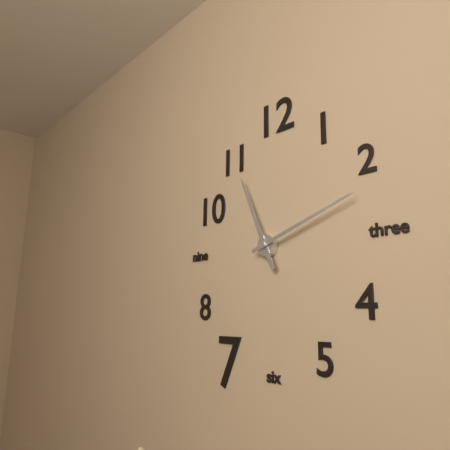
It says 11:12
